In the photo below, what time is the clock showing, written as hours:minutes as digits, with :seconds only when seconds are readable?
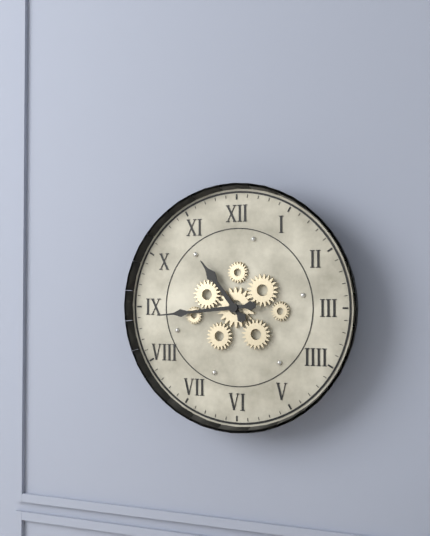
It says 10:44
